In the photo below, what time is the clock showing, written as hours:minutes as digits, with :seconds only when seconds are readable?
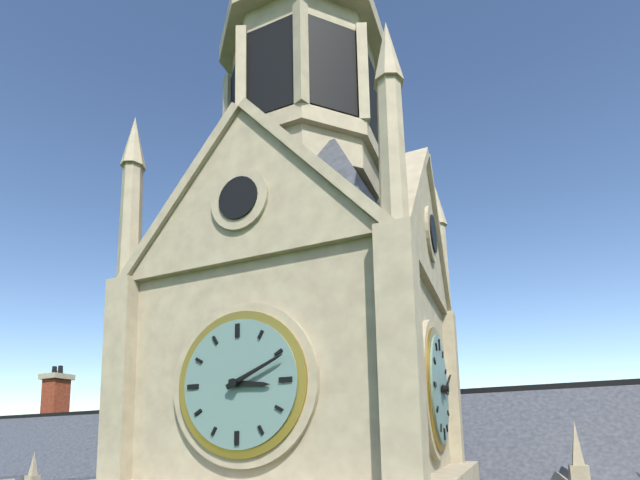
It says 3:11
